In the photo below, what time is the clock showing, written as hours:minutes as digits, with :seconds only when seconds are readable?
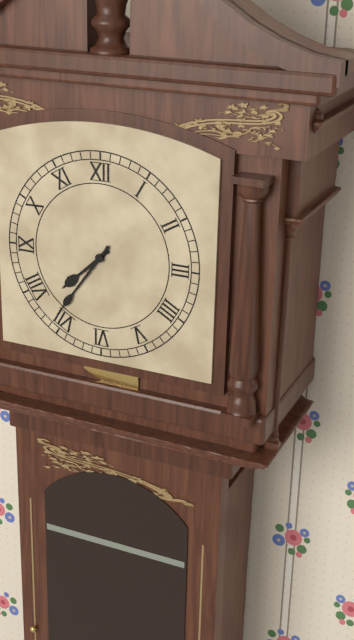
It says 7:36
